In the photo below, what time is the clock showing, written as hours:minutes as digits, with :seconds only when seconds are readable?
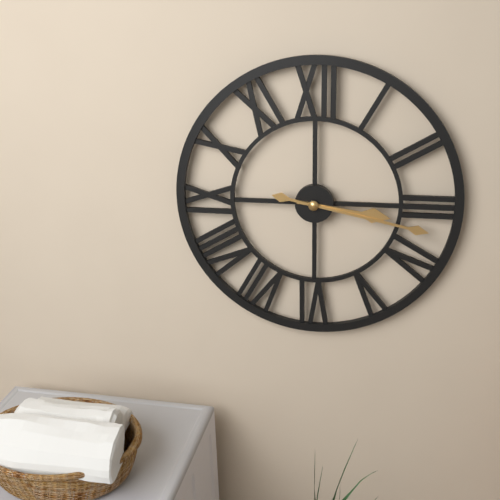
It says 3:17
